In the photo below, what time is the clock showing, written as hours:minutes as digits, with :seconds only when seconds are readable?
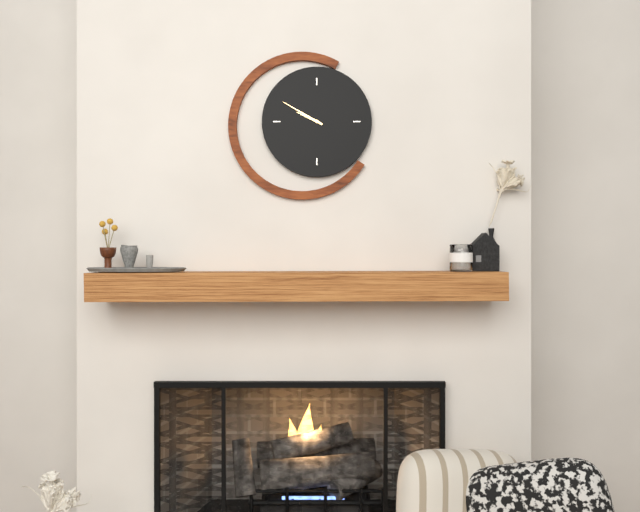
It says 9:50
